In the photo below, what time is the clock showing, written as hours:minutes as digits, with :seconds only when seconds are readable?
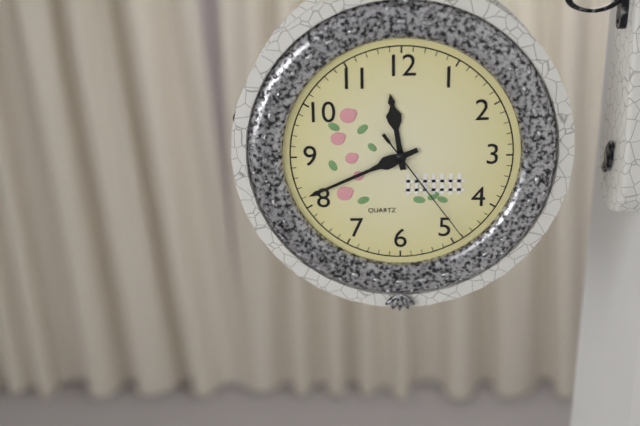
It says 11:41:24
